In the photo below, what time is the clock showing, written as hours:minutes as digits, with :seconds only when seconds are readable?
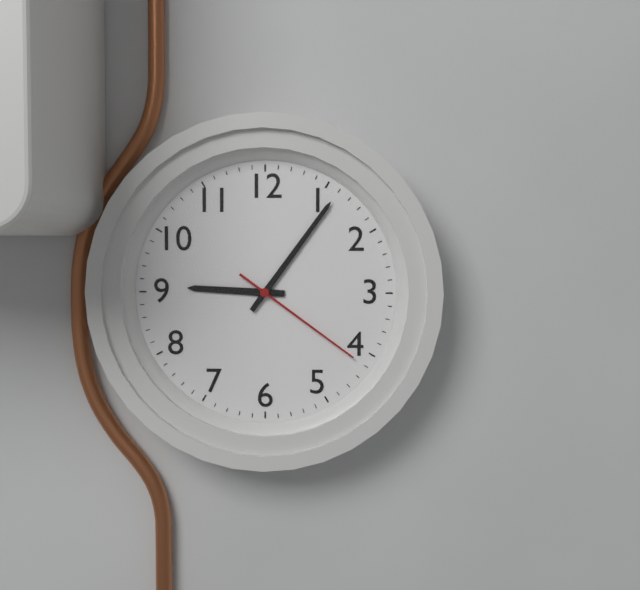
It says 9:06:21
